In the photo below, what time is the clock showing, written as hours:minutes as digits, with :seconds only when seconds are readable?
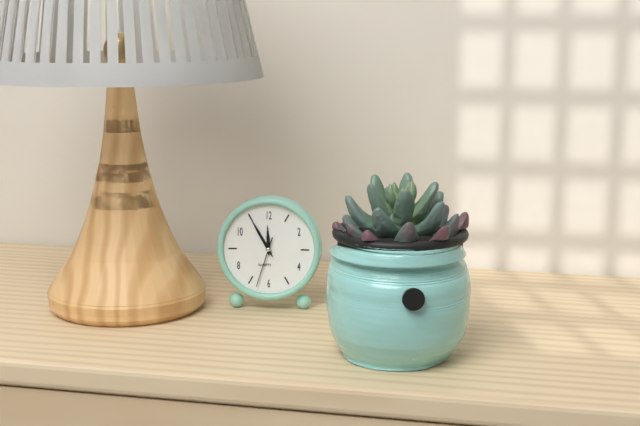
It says 11:55:33
